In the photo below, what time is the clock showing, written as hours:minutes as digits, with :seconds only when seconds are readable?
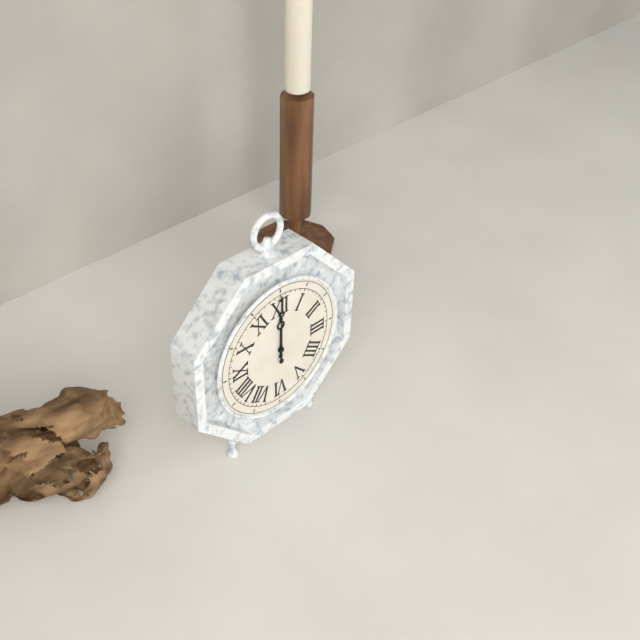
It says 12:00
